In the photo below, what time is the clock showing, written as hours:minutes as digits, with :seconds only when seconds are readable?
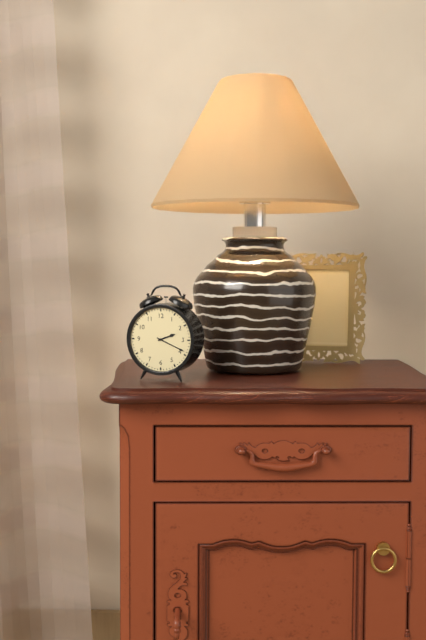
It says 2:19
